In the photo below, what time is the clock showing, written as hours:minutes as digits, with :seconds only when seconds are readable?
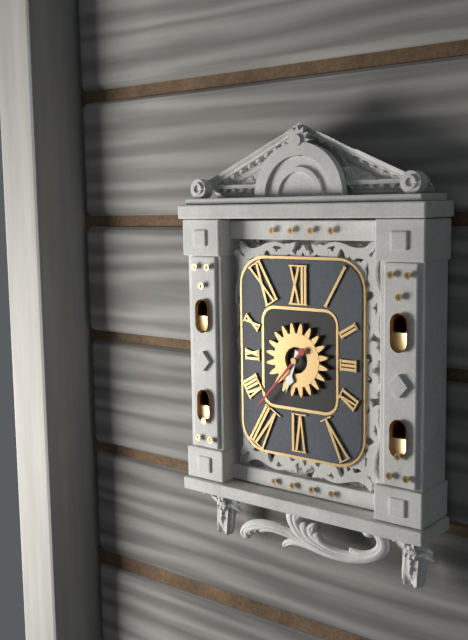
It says 6:37
